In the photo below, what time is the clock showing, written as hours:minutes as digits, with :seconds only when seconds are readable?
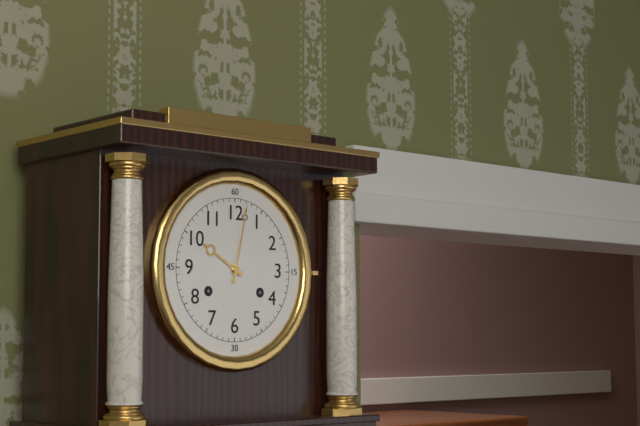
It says 10:02
